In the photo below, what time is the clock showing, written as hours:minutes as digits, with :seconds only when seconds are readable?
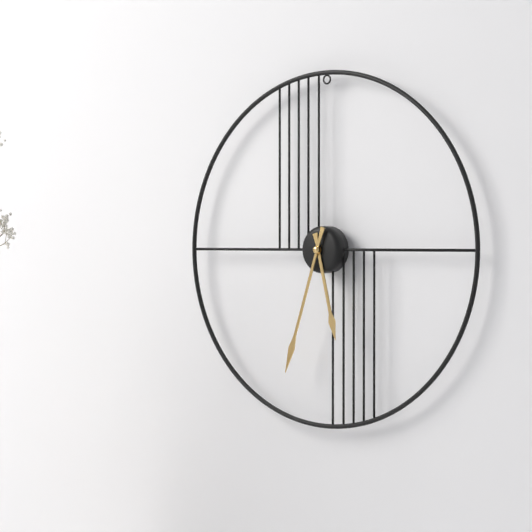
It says 5:33
